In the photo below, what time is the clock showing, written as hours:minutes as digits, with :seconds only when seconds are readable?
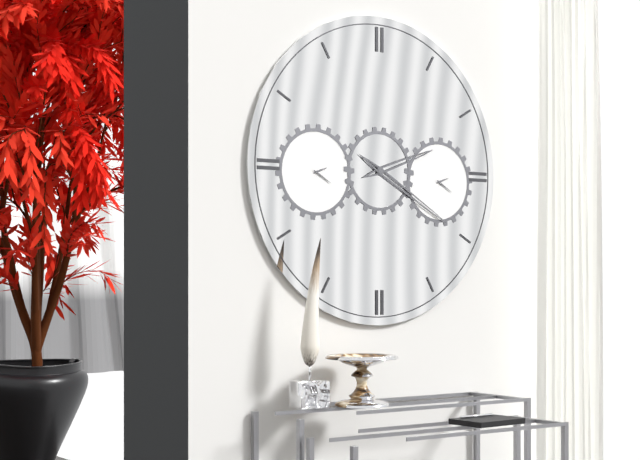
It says 2:20
